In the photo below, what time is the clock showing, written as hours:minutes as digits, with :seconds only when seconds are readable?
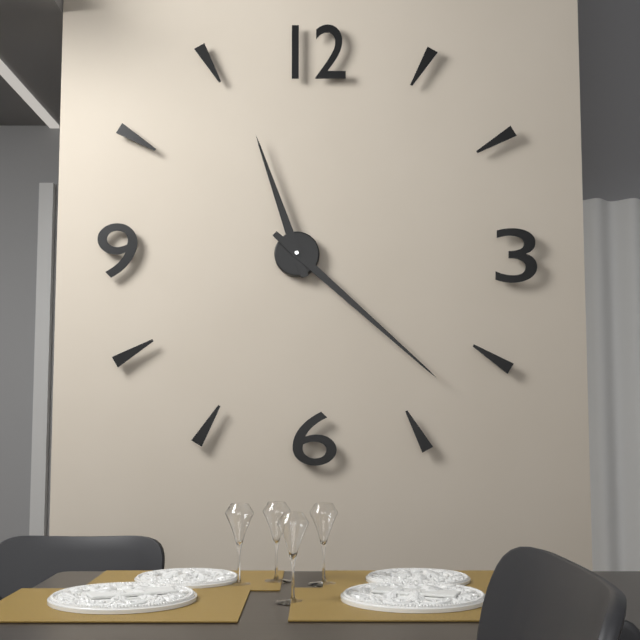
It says 11:22
